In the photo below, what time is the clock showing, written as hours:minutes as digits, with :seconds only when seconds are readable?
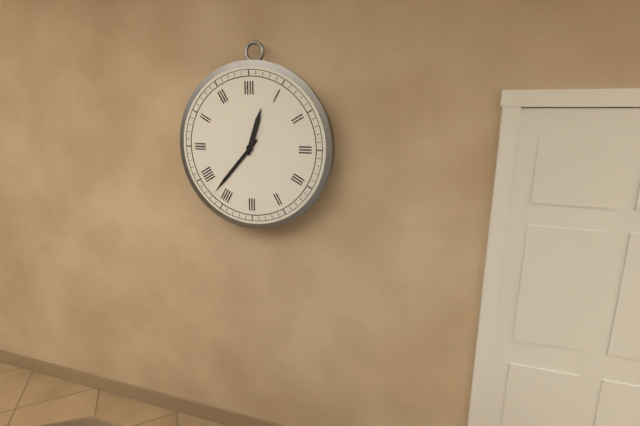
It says 12:37
